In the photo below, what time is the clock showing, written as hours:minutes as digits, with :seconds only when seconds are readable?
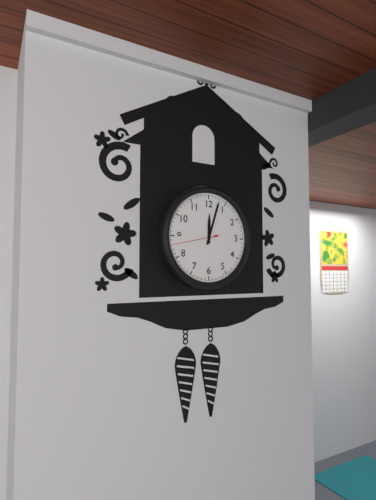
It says 12:03
